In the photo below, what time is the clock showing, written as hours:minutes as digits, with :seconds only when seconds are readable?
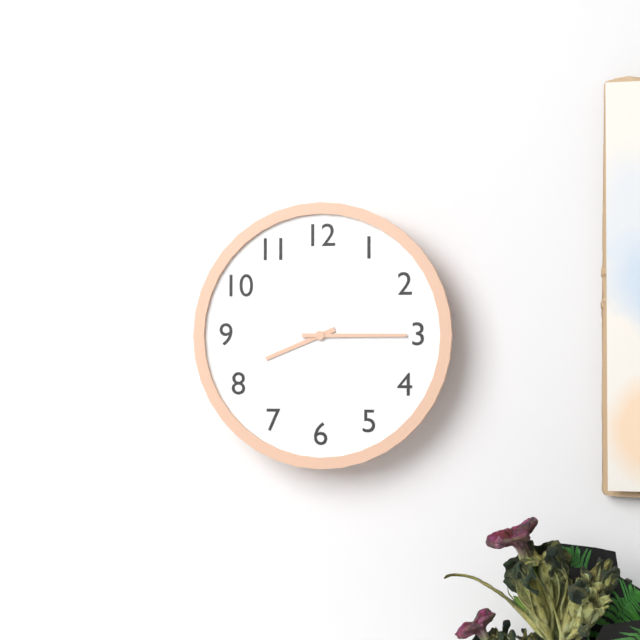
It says 8:15
